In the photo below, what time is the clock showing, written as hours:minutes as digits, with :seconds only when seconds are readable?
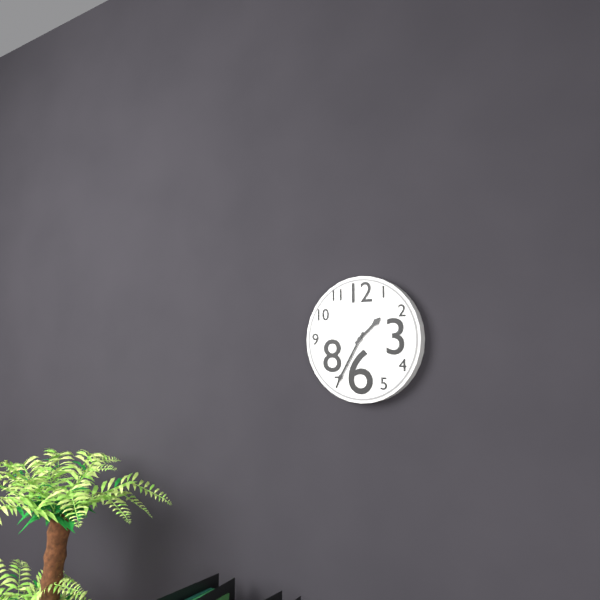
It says 1:35
